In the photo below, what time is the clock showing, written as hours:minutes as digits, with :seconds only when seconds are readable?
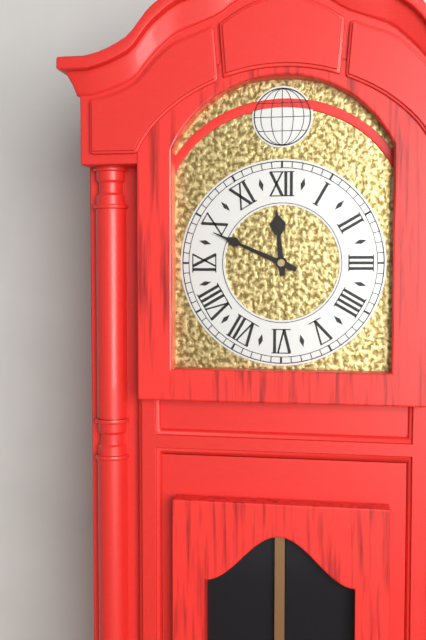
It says 11:49
